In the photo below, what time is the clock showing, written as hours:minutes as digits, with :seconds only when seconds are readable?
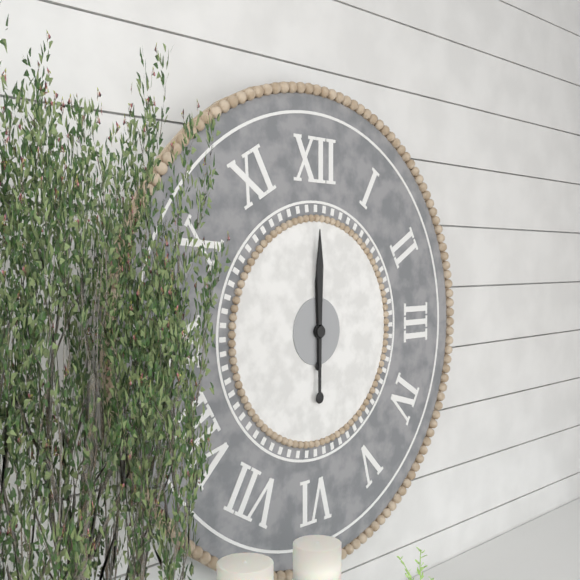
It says 12:00
